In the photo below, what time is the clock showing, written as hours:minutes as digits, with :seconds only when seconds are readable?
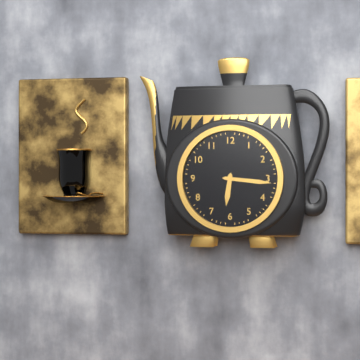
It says 6:16
